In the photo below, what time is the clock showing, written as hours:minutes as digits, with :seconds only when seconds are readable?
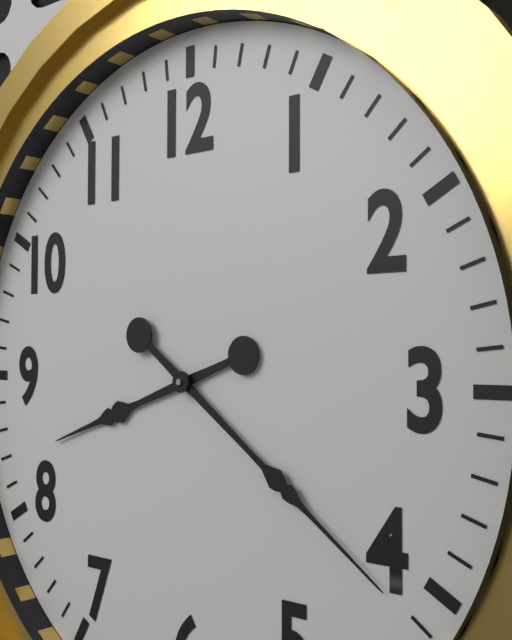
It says 8:21
